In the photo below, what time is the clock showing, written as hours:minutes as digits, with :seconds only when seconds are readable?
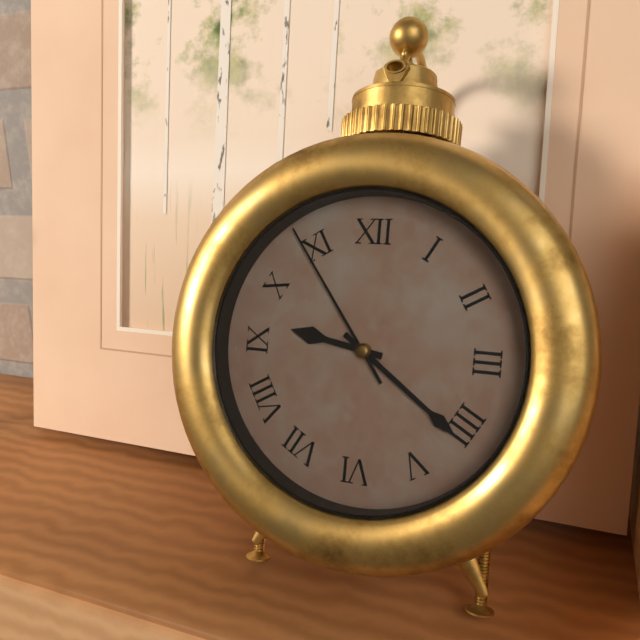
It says 9:21:54
